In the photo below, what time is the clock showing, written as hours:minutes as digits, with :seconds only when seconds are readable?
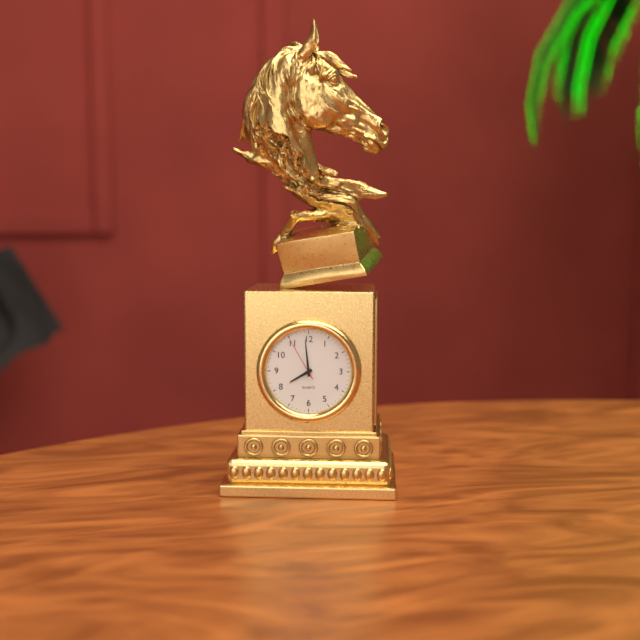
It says 7:59
